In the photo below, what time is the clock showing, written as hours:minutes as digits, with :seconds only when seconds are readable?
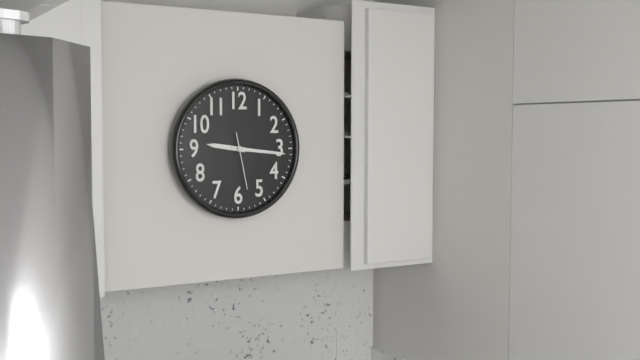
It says 9:16:28
